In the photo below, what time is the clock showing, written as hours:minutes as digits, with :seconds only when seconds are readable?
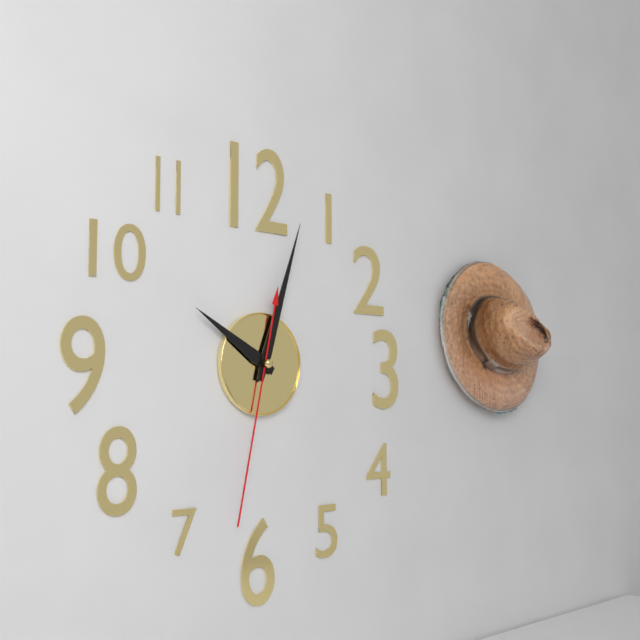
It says 10:03:32
